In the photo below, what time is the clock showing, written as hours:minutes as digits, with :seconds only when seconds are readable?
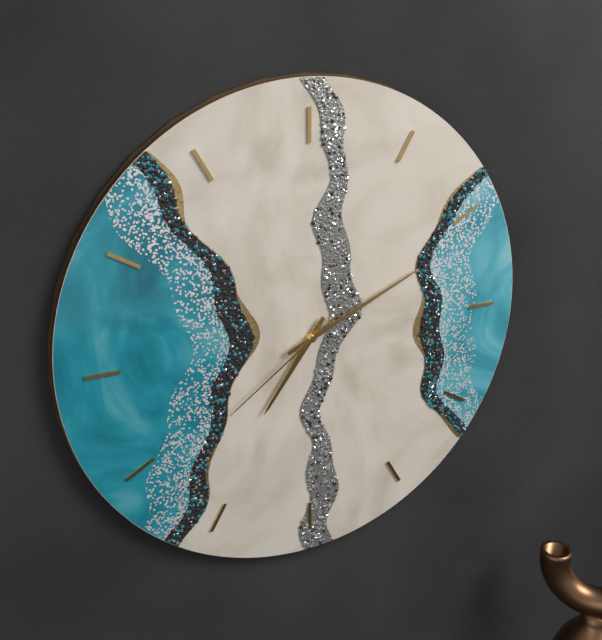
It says 7:11:39
